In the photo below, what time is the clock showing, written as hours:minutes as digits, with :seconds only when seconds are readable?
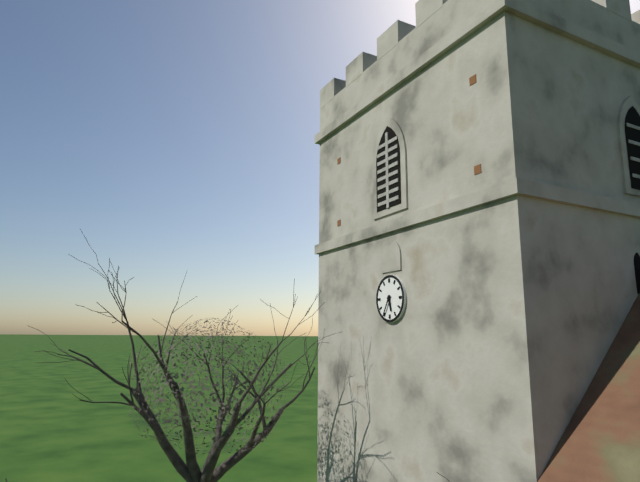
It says 5:35
